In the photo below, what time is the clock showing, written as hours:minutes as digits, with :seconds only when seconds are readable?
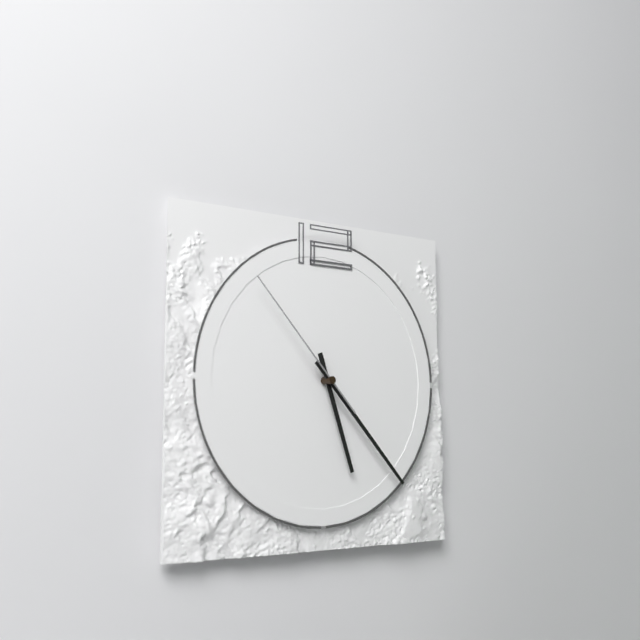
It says 5:23:53
